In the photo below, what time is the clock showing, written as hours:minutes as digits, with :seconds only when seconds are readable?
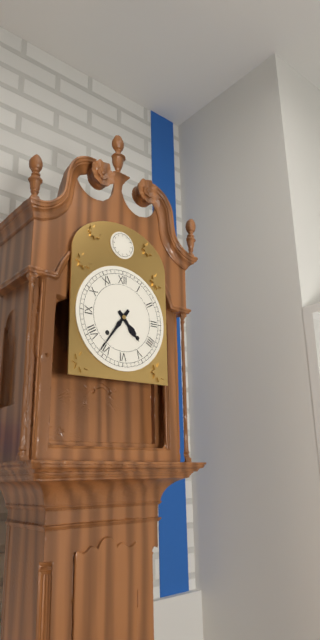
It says 4:36
